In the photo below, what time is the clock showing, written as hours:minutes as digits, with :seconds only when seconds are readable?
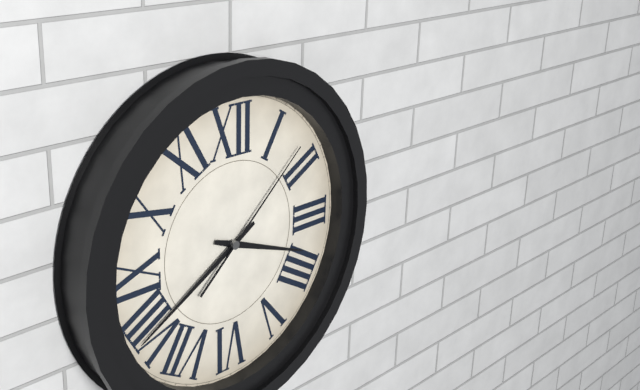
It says 3:40:08
